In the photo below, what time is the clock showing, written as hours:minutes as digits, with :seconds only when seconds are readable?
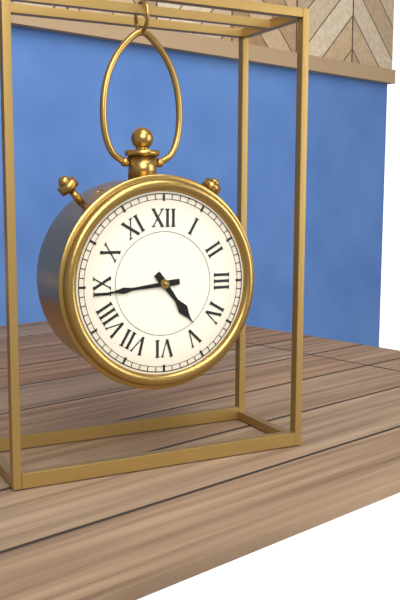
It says 4:44
